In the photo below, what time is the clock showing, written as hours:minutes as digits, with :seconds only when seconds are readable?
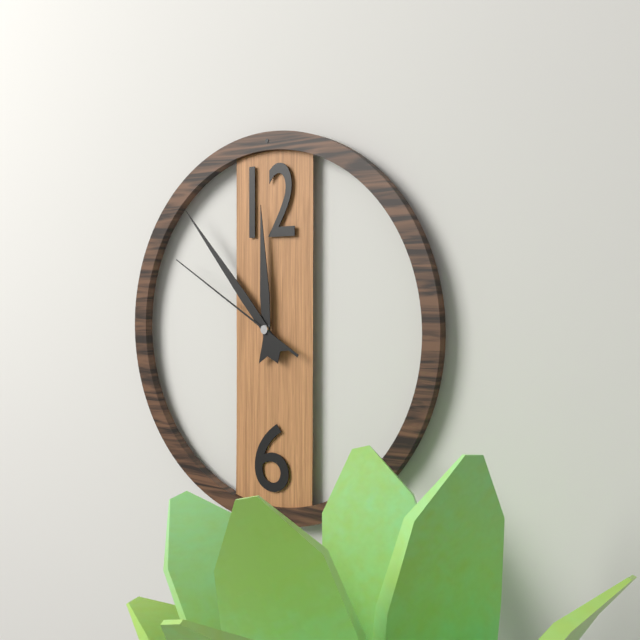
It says 11:53:50
